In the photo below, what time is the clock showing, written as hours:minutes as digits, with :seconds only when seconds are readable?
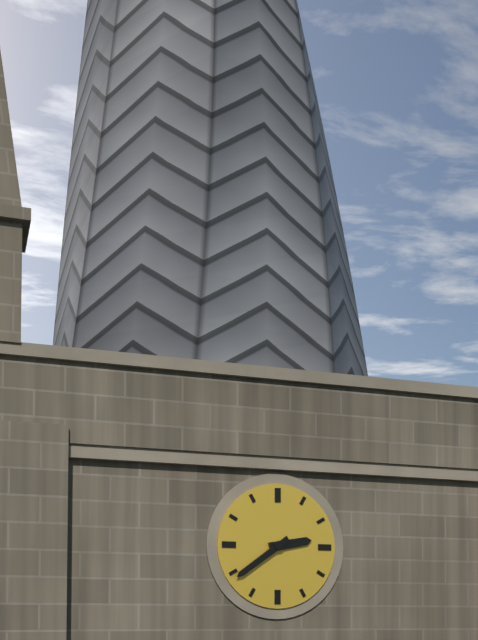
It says 2:39
